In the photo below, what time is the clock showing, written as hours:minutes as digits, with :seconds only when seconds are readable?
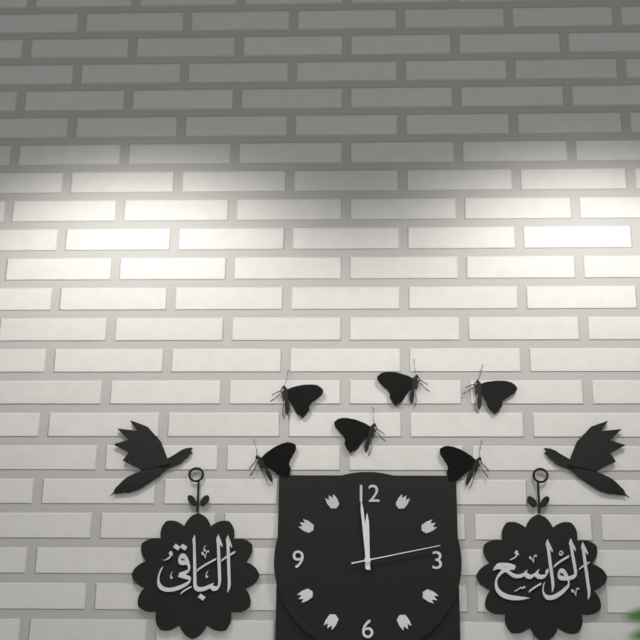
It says 11:59:13
